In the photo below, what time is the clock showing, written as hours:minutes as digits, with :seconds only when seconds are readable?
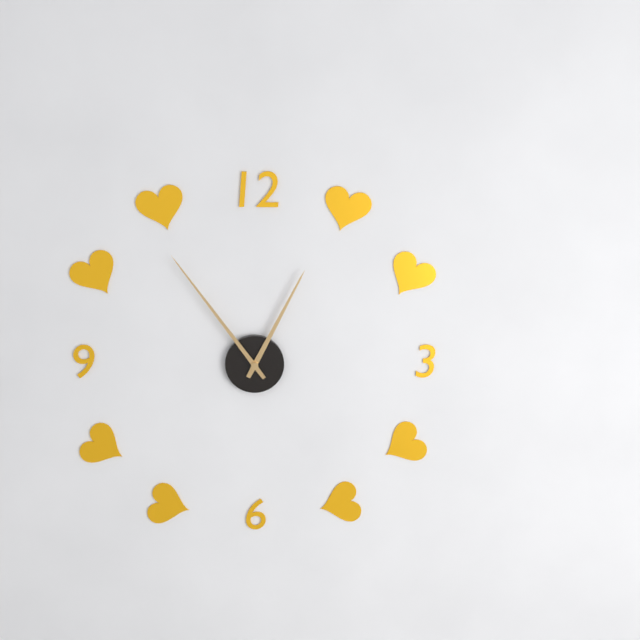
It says 12:54
